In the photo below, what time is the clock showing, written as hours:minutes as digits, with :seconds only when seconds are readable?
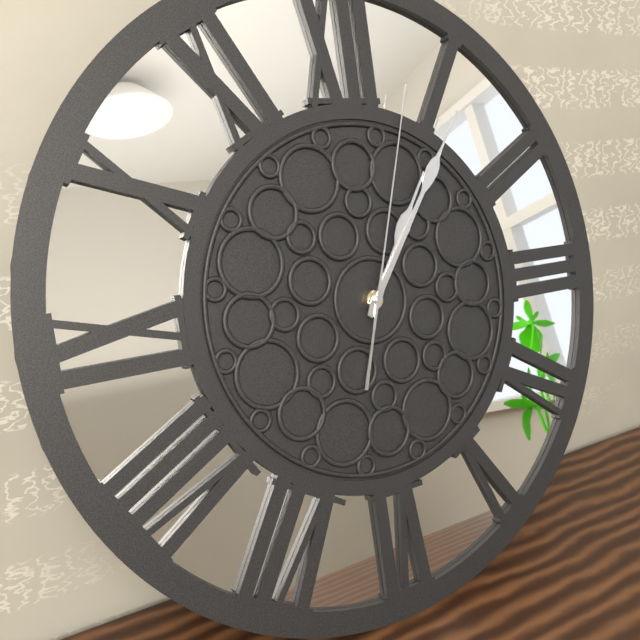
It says 1:06:03
